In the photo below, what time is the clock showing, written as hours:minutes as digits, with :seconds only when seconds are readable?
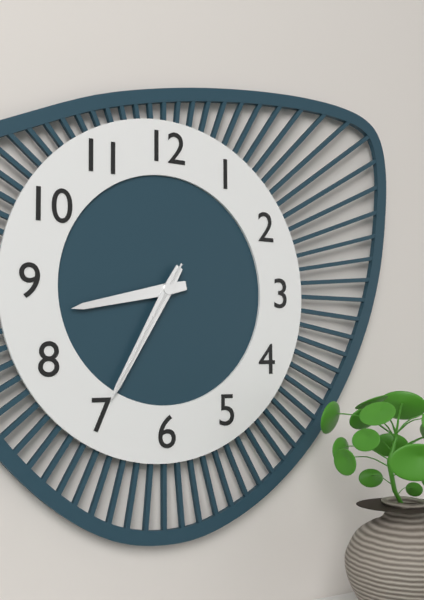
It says 8:35:35
